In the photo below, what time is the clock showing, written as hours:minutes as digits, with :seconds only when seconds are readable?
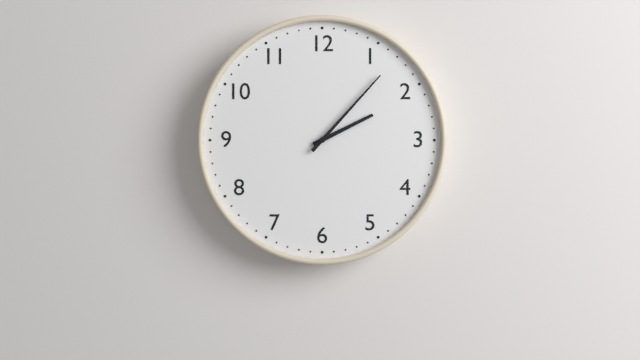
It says 2:07
